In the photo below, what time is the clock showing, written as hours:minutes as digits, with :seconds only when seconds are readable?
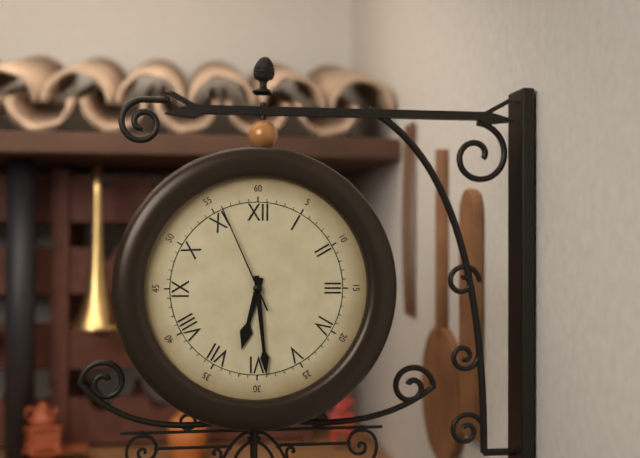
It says 6:29:56
